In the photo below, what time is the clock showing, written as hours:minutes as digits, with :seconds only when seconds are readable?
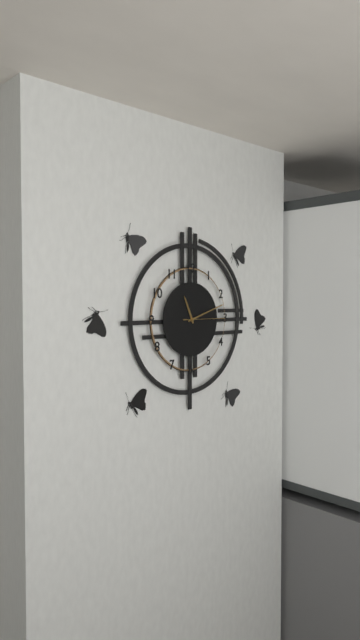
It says 11:12
